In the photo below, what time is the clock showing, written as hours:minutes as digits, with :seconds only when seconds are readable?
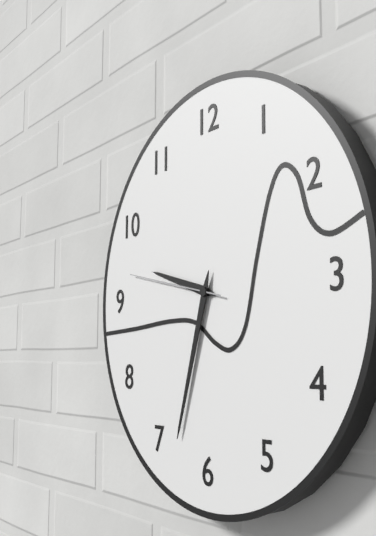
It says 9:33:47
